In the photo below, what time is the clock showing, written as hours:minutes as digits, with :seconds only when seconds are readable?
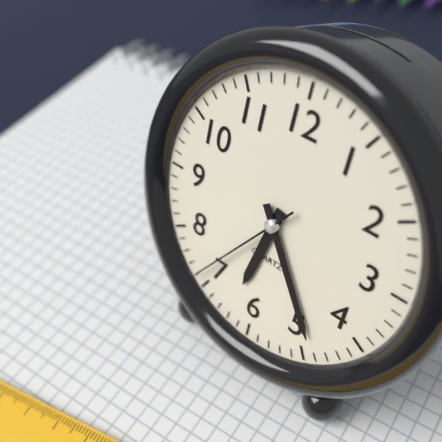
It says 6:24:36
